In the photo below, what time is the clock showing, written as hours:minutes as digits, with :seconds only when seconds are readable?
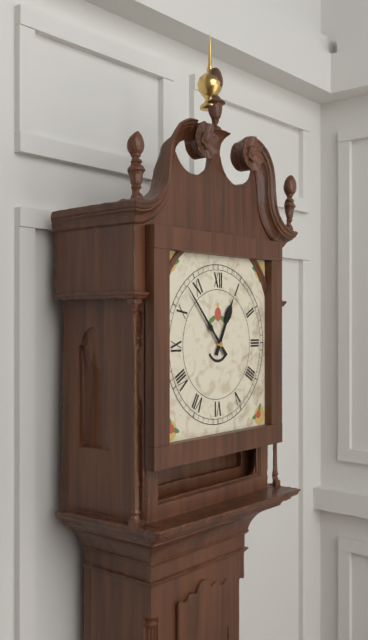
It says 12:53
